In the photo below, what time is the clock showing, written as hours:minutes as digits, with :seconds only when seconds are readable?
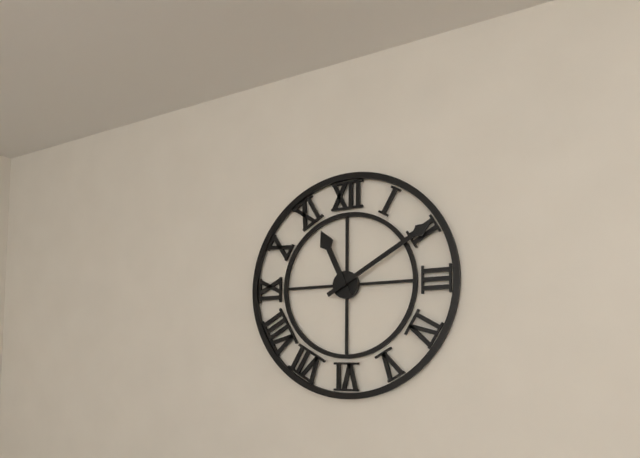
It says 11:10
